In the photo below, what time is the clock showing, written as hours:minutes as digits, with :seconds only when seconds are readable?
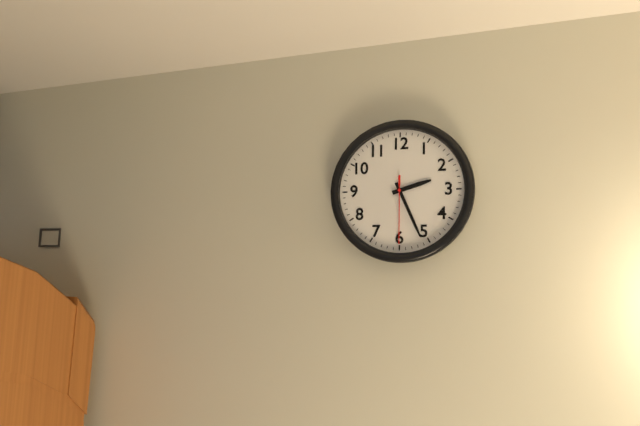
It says 2:26:30
